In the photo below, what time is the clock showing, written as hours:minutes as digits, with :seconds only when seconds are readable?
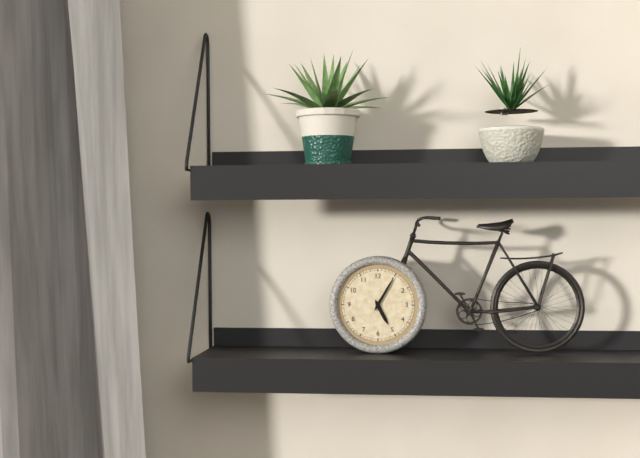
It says 5:05
